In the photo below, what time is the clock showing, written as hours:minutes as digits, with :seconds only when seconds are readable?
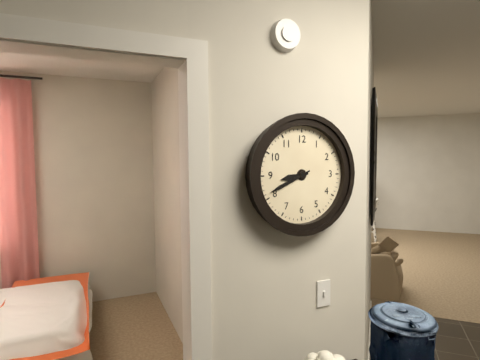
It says 8:41
